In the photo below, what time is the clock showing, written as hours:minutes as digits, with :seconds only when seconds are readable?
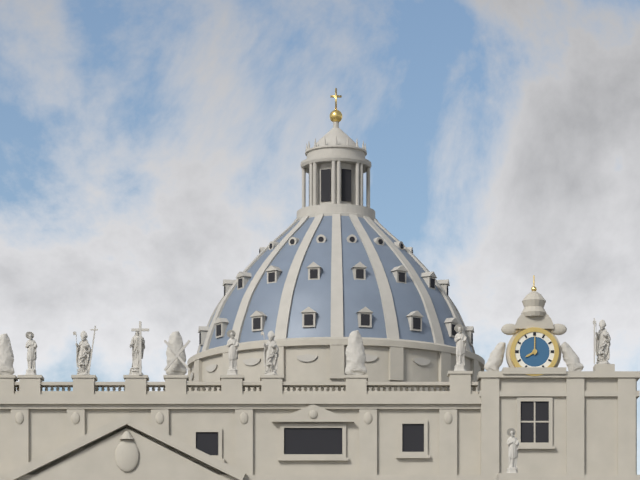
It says 8:00
